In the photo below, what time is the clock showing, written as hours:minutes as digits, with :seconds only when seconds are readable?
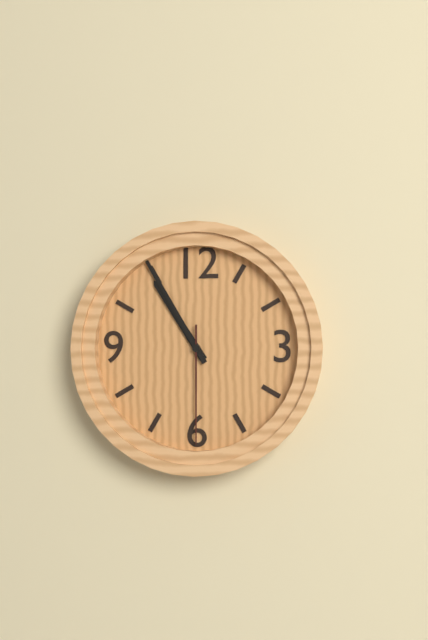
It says 10:55:30
